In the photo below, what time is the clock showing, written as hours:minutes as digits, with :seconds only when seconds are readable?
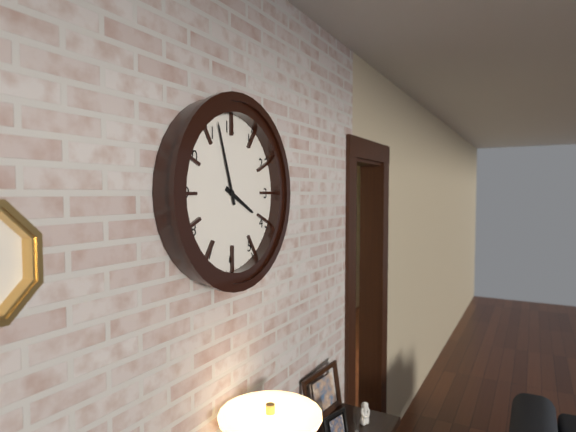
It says 3:57
